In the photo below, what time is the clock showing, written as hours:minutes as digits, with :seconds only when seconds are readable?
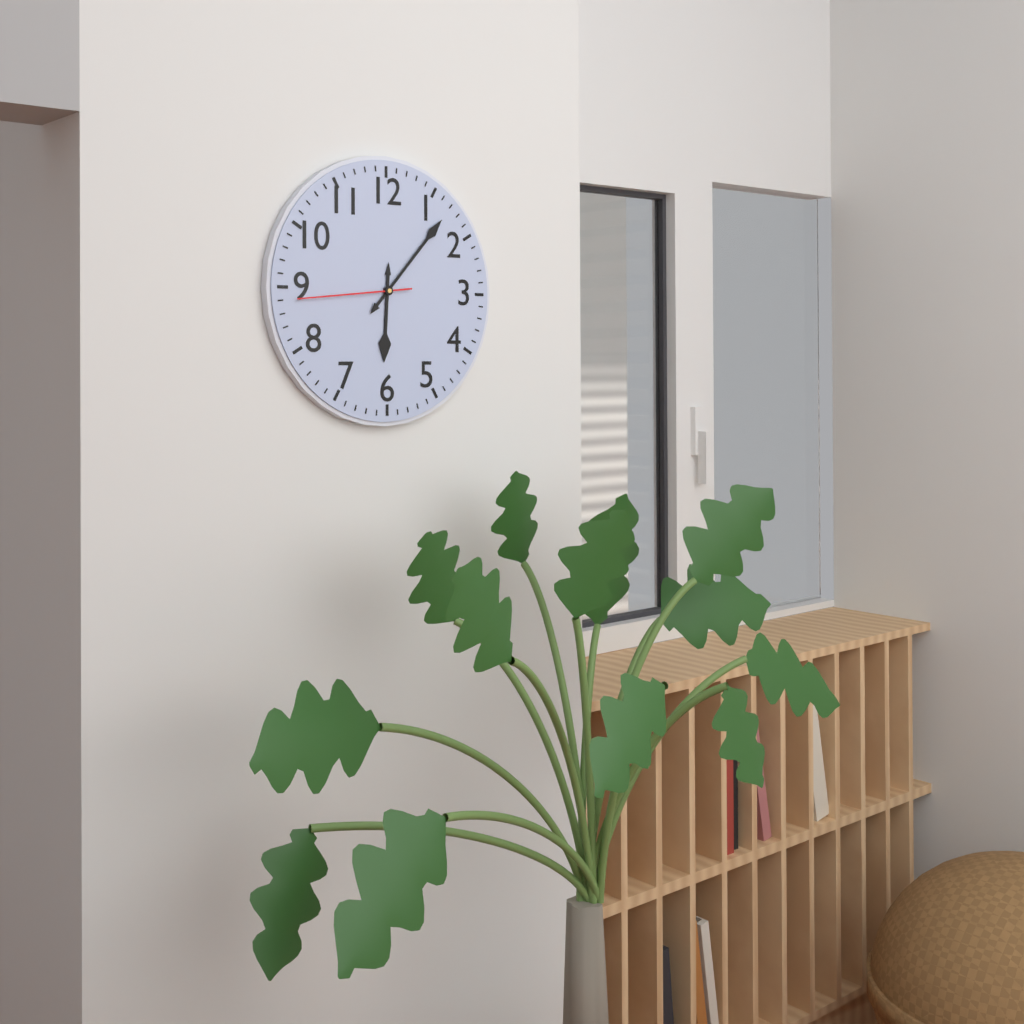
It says 6:07:44
